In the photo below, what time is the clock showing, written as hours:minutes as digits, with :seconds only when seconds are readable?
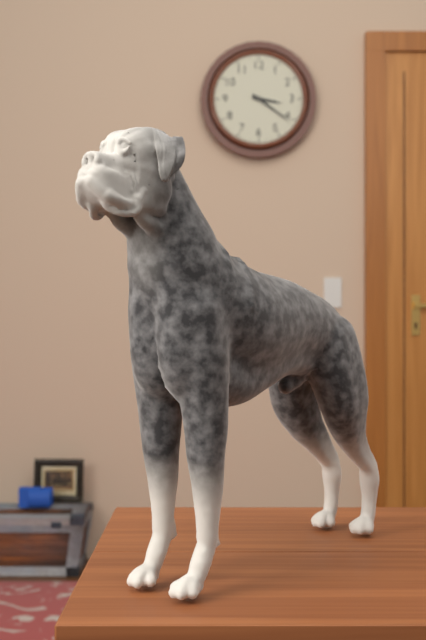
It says 3:21
